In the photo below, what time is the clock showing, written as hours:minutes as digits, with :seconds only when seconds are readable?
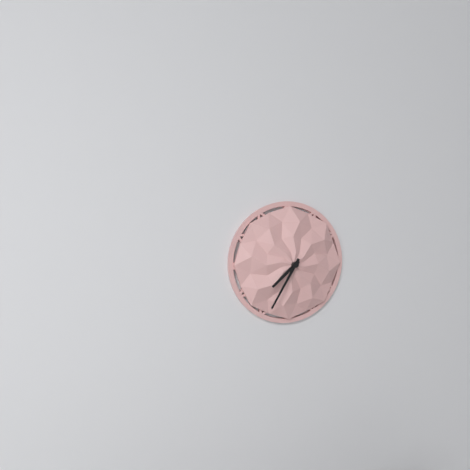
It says 7:35
